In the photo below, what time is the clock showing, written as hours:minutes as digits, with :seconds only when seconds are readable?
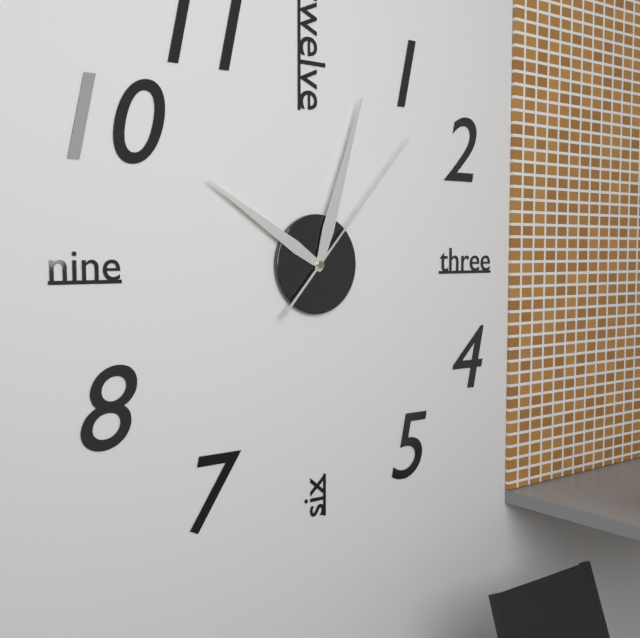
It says 10:03:07
